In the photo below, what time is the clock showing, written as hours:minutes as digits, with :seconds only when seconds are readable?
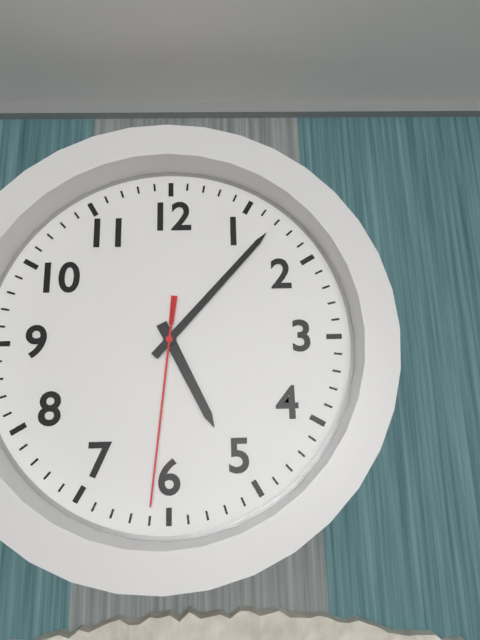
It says 5:07:31
